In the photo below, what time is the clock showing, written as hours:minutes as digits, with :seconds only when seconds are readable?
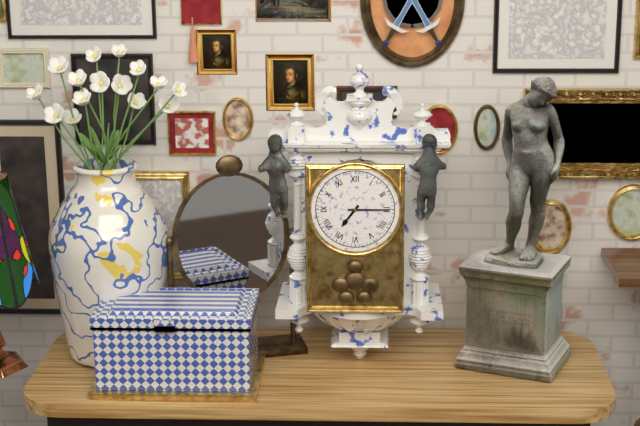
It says 7:15
